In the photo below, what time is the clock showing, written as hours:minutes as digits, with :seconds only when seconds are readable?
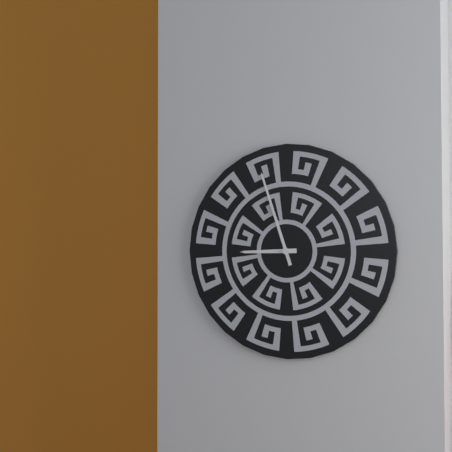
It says 8:57
